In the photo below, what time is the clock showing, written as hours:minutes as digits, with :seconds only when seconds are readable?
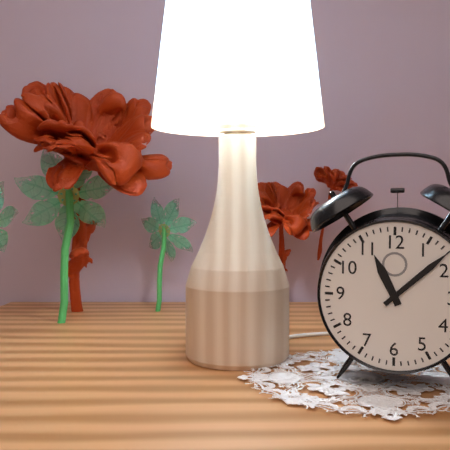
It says 11:08
